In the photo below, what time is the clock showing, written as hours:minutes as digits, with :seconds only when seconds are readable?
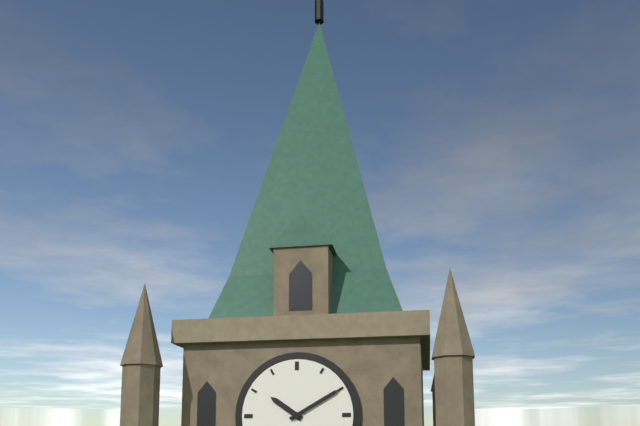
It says 10:10
